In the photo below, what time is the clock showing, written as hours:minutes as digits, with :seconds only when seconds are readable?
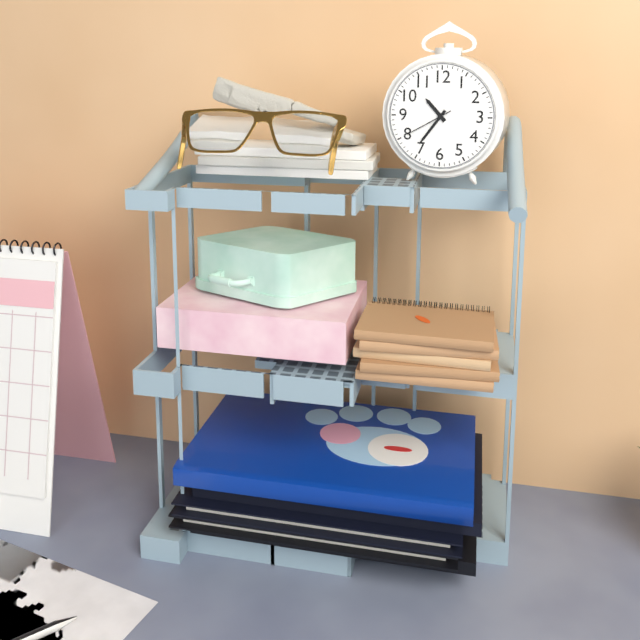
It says 10:36
